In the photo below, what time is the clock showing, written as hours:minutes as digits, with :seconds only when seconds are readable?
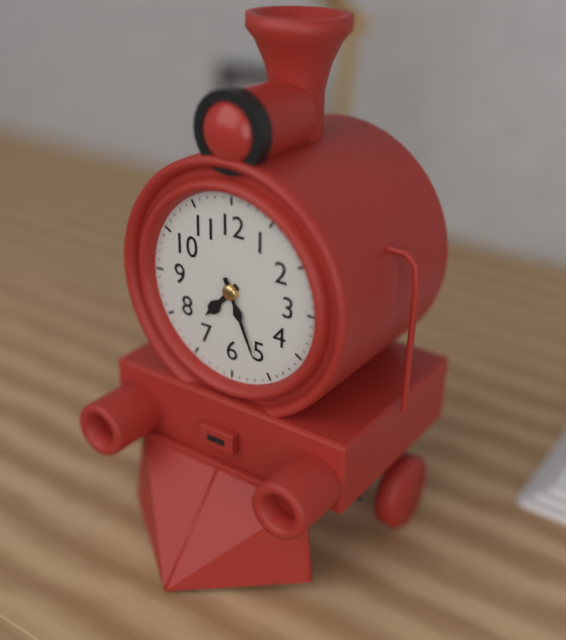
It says 7:26
